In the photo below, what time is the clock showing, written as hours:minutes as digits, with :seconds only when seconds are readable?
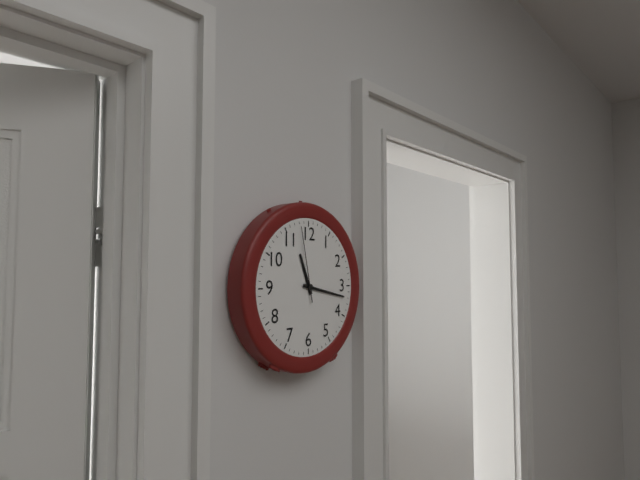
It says 11:17:58
